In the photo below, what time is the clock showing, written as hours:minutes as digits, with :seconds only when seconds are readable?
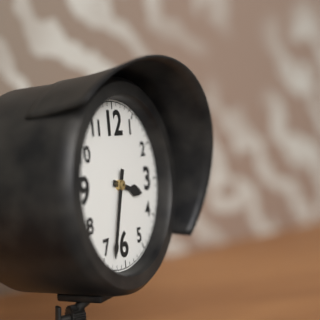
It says 3:33
